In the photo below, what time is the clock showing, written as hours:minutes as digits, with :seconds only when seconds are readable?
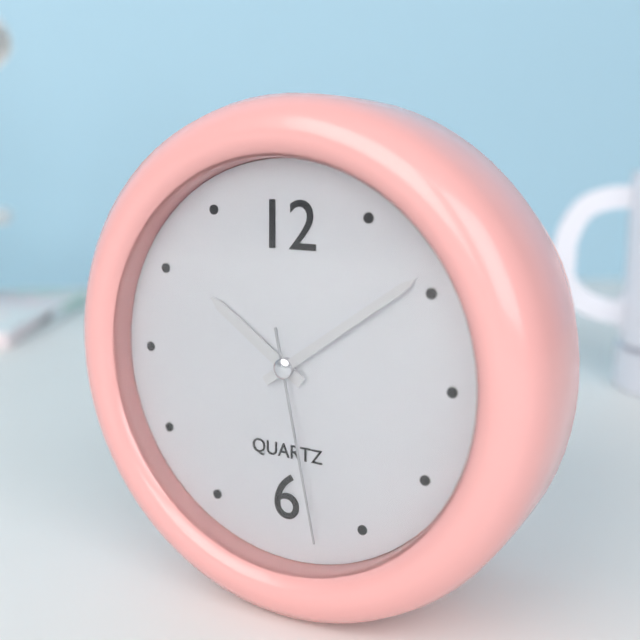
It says 10:09:28
